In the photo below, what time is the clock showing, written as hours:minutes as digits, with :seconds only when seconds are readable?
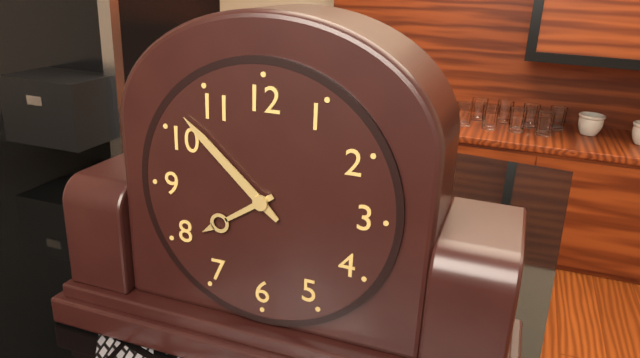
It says 7:52
